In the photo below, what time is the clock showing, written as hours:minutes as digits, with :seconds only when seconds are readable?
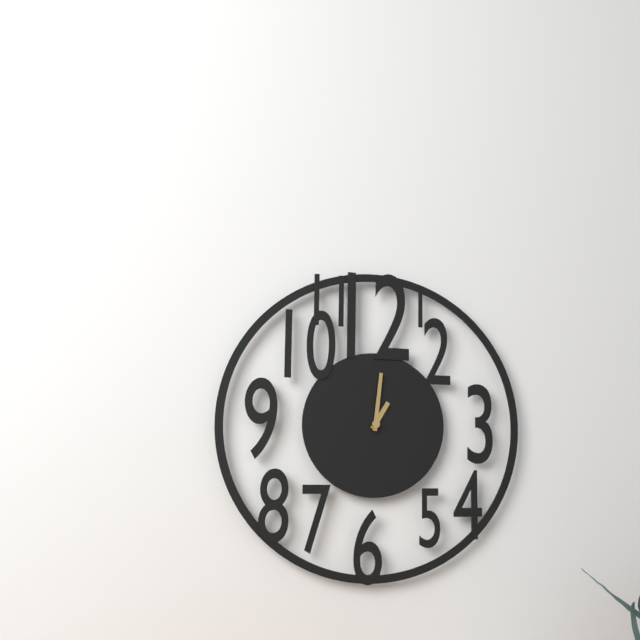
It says 1:01
